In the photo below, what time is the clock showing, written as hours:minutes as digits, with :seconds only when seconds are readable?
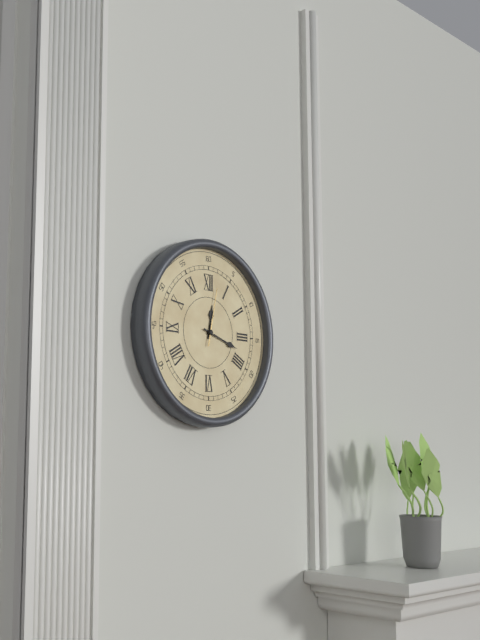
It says 12:18:02
